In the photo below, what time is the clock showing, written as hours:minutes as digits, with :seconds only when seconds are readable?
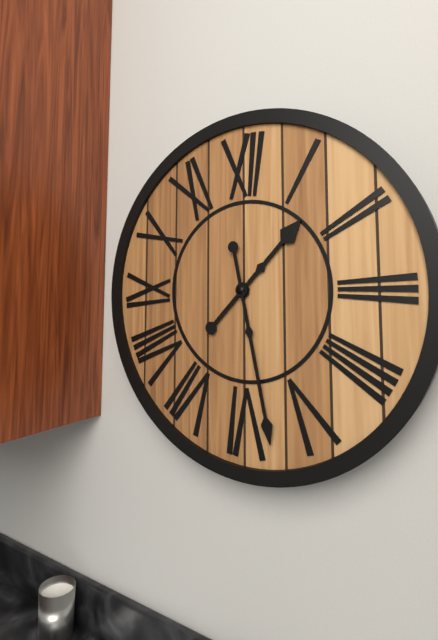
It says 1:28
